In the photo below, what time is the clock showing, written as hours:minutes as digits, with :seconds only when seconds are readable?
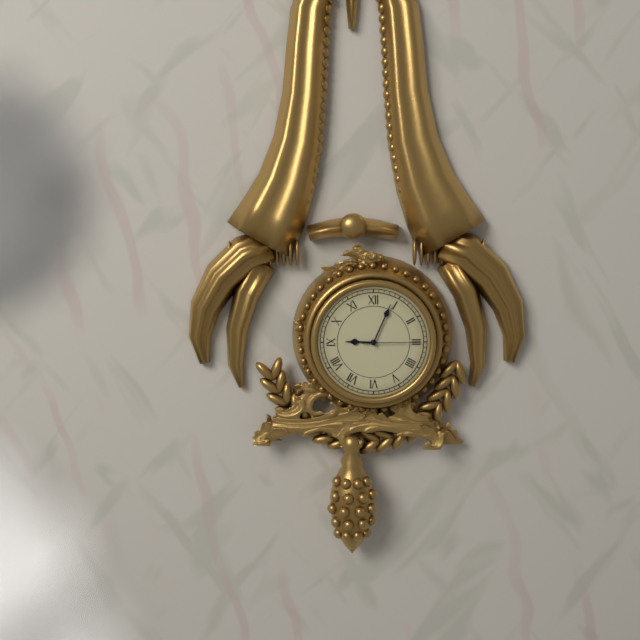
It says 9:04:15
